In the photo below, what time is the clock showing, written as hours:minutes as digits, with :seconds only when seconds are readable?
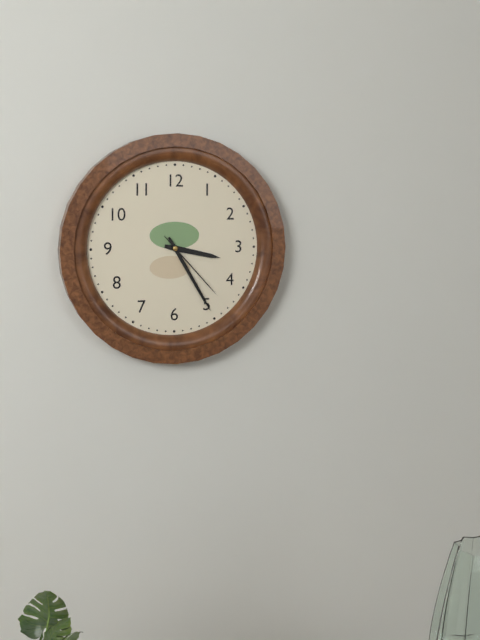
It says 3:25:23
